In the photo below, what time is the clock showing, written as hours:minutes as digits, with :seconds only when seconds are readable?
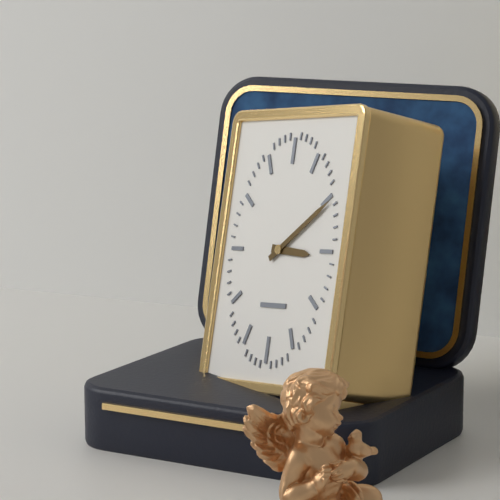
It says 3:09
